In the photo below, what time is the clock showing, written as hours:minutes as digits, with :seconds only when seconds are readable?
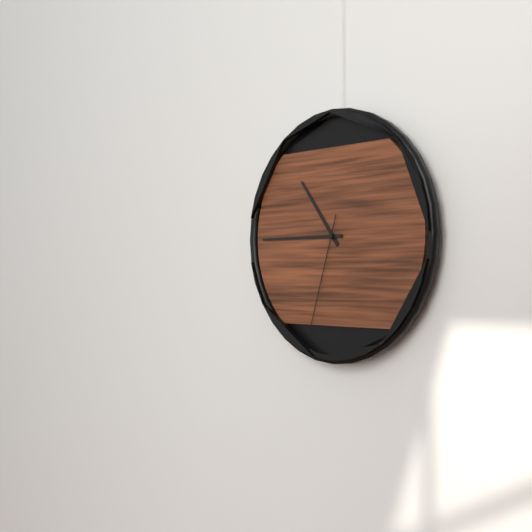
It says 10:45:33
